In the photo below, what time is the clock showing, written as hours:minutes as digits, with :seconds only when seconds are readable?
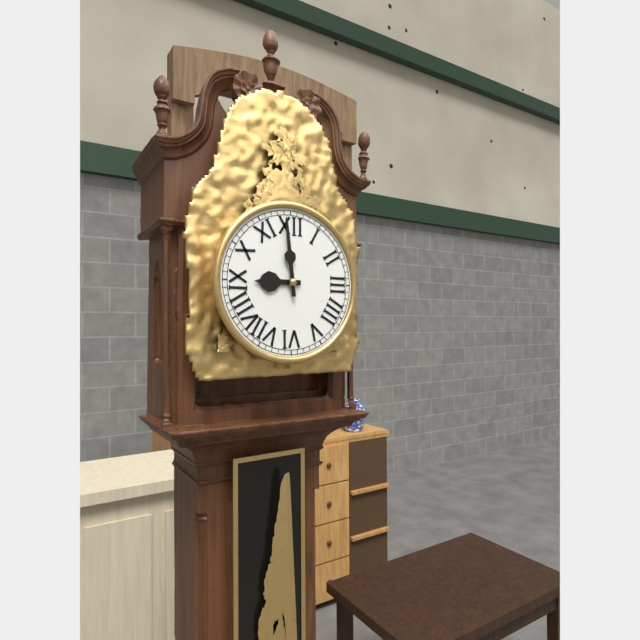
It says 8:59
